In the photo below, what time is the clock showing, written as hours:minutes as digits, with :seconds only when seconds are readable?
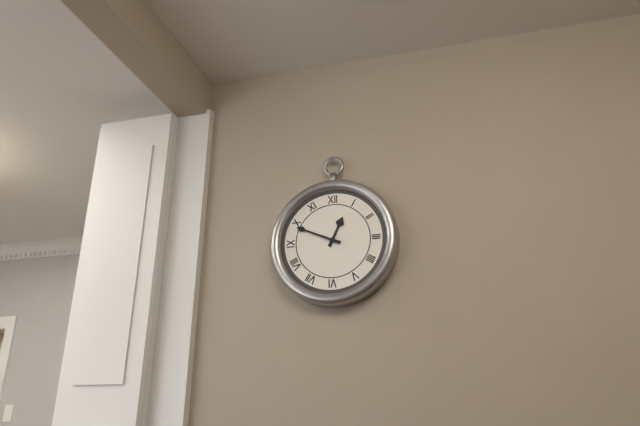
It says 12:49
